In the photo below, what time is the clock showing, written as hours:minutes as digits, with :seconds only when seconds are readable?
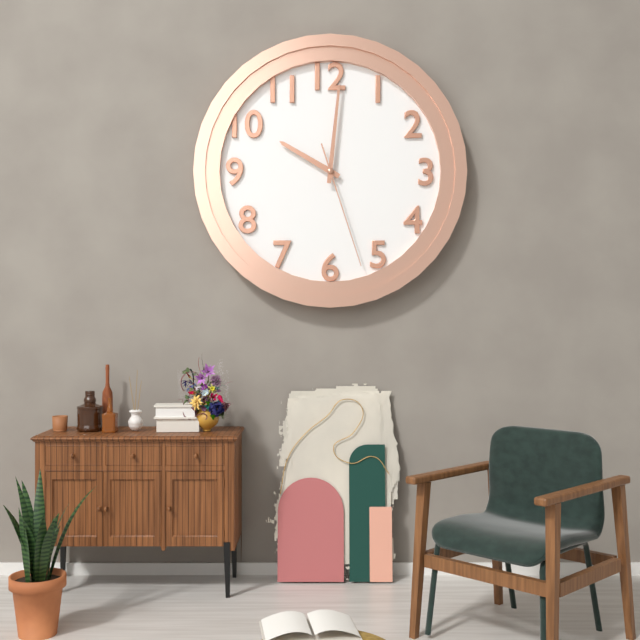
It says 10:01:27
